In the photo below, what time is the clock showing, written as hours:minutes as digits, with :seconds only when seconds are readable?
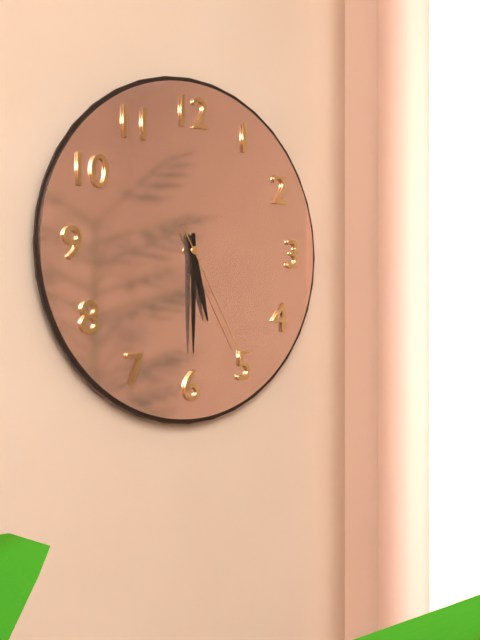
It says 5:30:25
